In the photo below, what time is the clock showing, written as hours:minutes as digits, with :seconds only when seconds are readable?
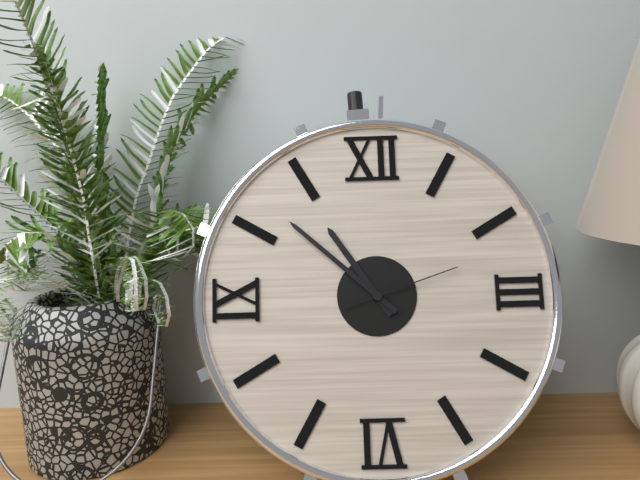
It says 10:52:12
